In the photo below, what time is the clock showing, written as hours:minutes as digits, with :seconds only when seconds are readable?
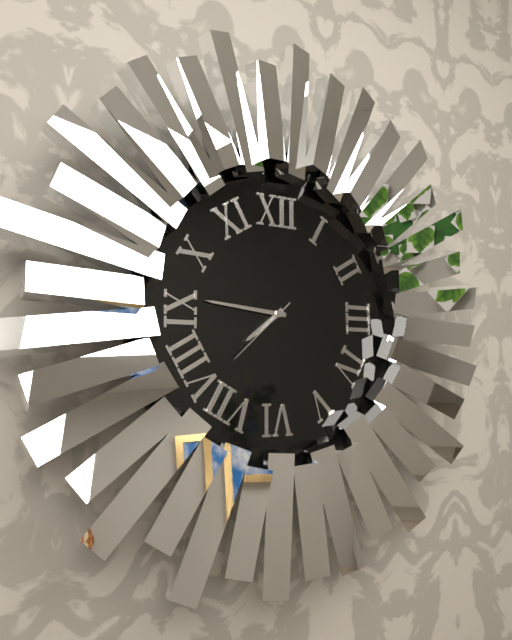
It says 7:46:38
